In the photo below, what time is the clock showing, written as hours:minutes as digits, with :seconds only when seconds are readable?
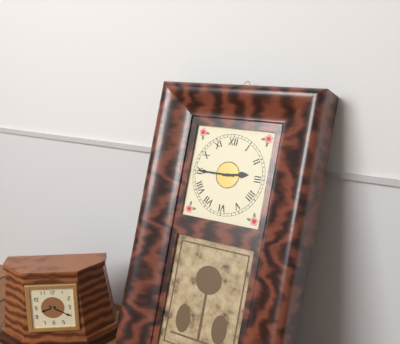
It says 2:45
